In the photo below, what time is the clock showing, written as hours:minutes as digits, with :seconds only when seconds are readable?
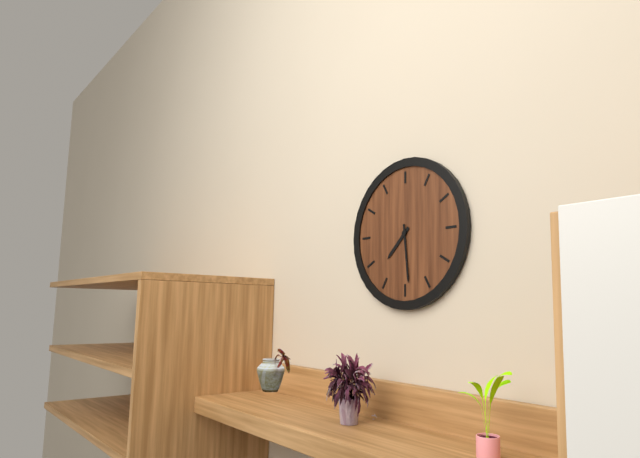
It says 7:29
